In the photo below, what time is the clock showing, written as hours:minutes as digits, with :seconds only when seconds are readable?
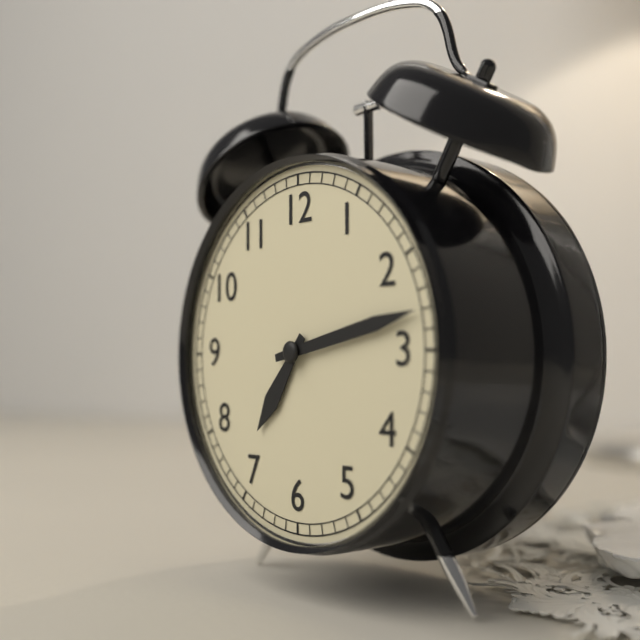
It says 7:13
